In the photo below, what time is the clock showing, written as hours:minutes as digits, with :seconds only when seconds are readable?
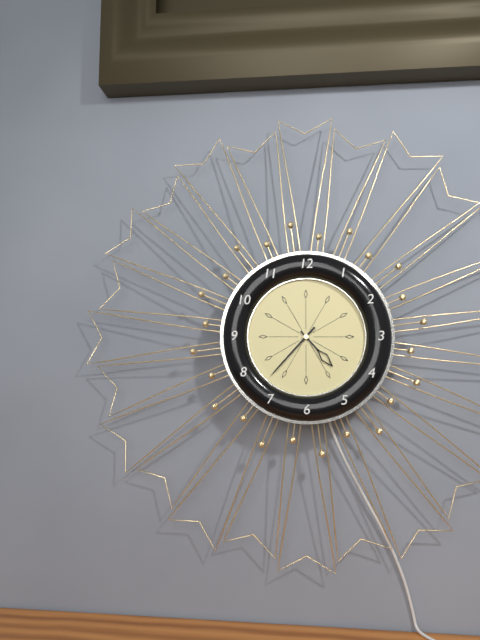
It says 4:37
